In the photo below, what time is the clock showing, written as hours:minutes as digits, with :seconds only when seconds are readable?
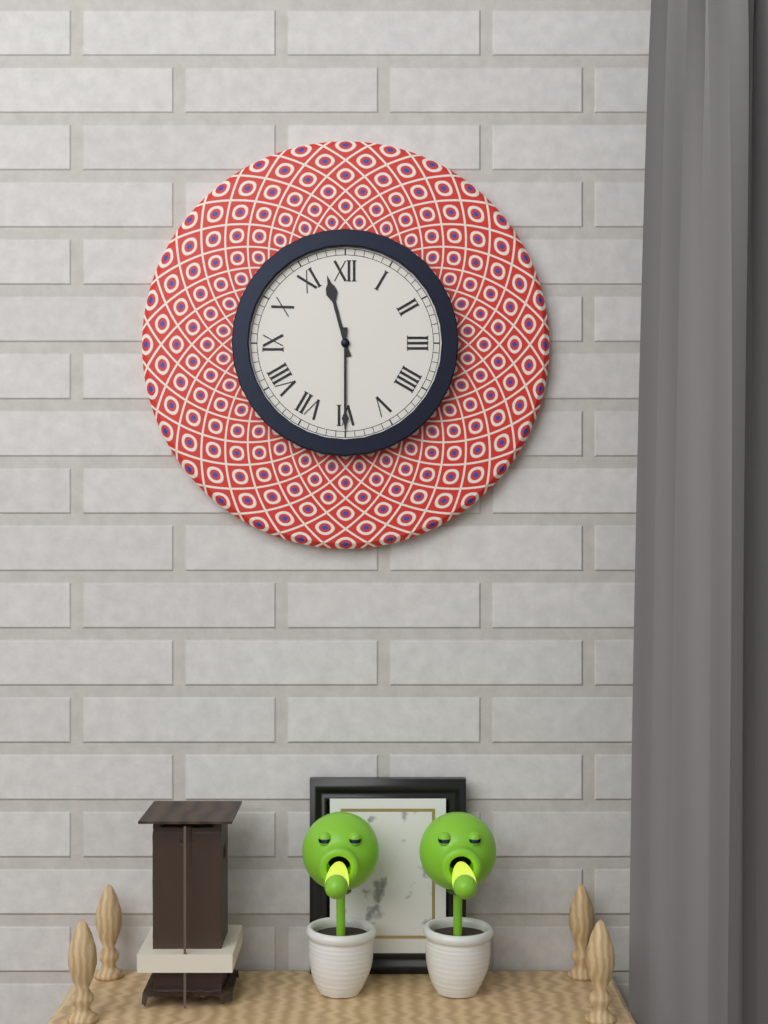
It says 11:30
